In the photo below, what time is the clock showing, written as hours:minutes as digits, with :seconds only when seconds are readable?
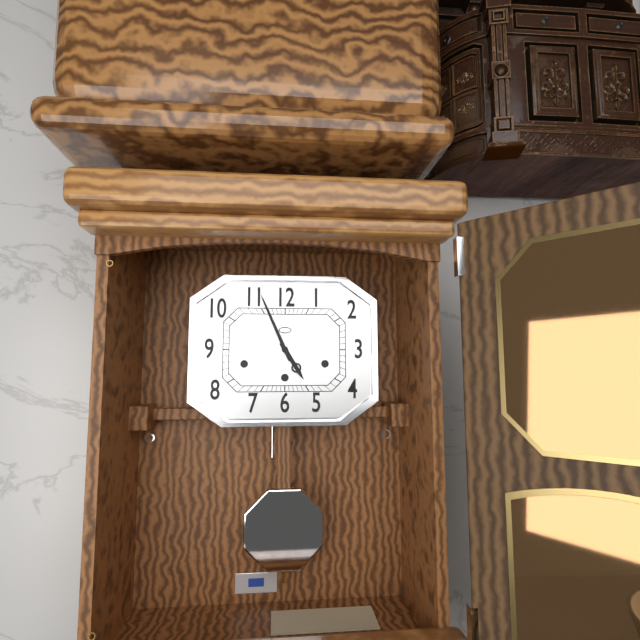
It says 4:56
